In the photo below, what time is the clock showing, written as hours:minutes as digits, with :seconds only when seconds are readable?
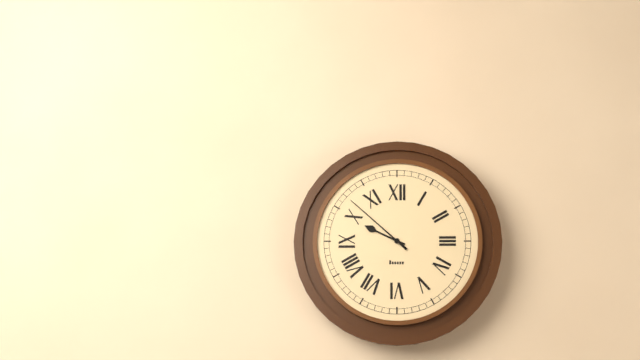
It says 9:52
